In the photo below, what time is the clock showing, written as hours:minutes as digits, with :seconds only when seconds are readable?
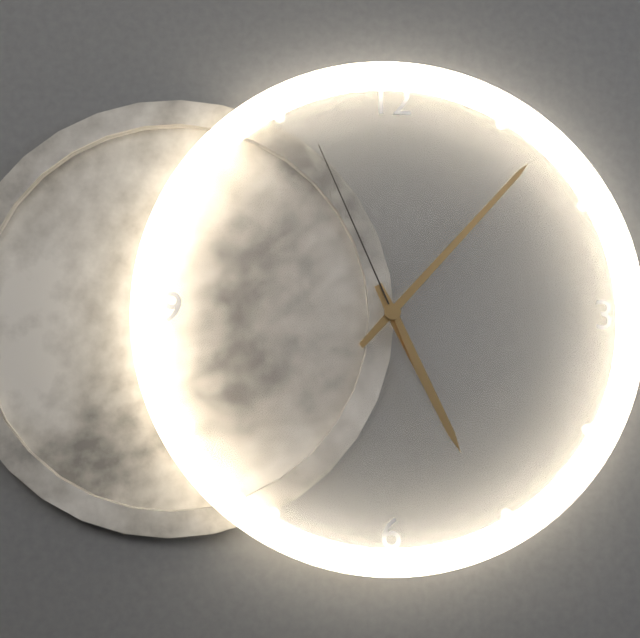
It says 5:07:56
